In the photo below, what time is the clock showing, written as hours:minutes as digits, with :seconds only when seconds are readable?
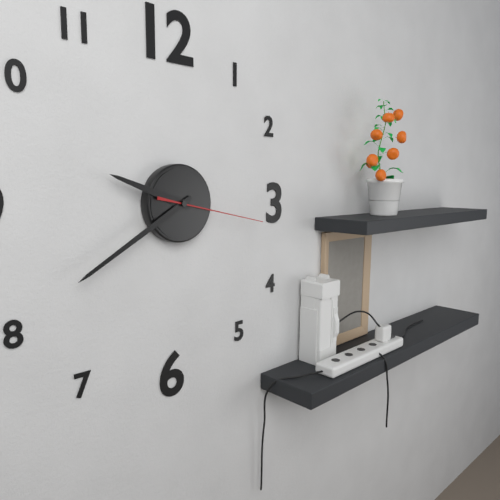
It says 9:40:17
